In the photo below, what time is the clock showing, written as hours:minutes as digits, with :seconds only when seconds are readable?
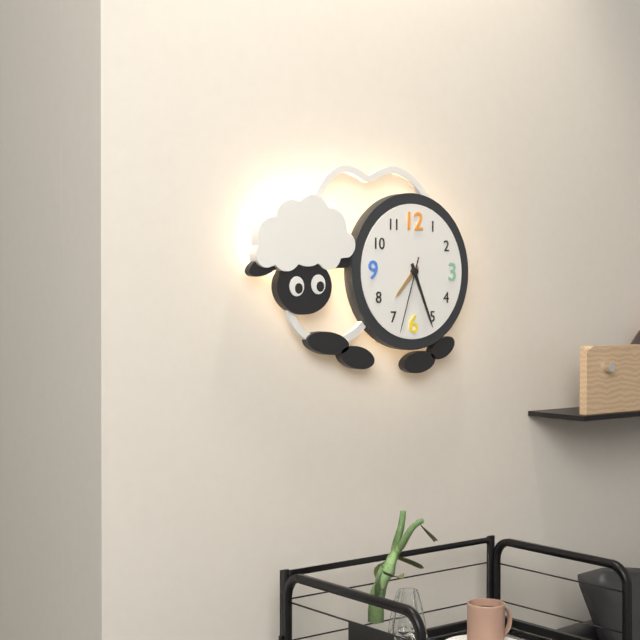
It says 7:26:33
